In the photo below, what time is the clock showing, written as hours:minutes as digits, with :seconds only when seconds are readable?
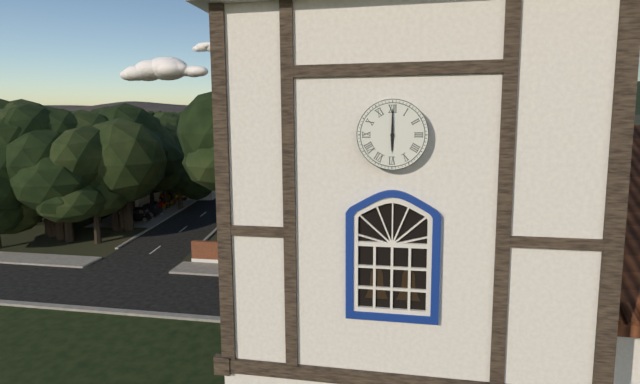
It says 6:00
